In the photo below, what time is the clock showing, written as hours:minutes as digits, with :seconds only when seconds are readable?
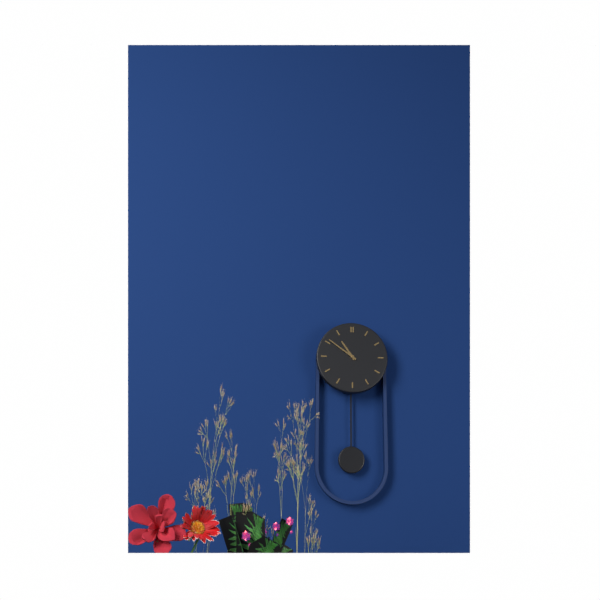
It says 10:51
